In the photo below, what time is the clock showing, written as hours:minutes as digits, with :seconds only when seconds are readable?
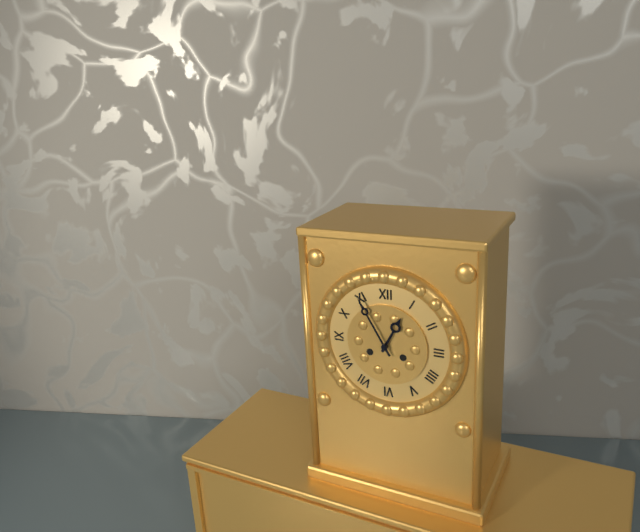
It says 12:55
